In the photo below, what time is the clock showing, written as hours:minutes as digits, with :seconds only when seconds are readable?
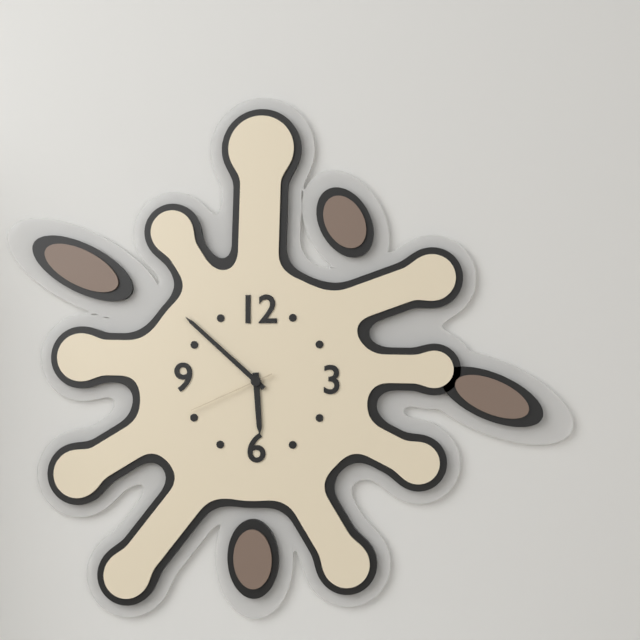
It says 5:52:41
